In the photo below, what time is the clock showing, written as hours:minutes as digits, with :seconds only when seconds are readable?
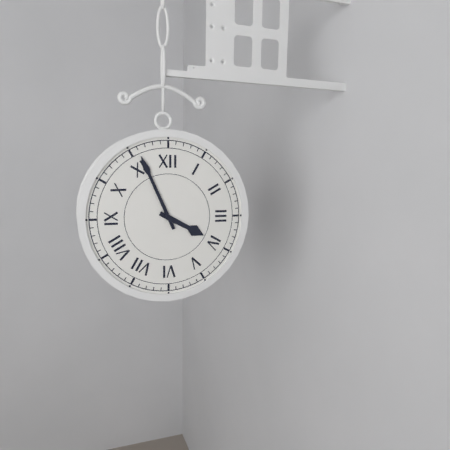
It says 3:56
